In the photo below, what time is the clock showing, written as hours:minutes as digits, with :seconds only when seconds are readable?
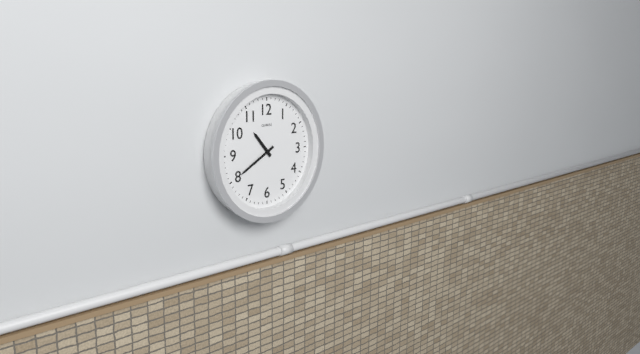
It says 10:40
